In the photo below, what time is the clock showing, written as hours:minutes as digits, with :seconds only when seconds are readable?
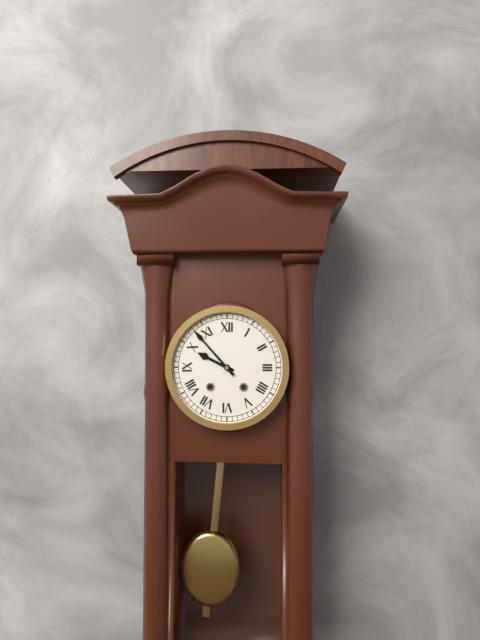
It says 9:53
